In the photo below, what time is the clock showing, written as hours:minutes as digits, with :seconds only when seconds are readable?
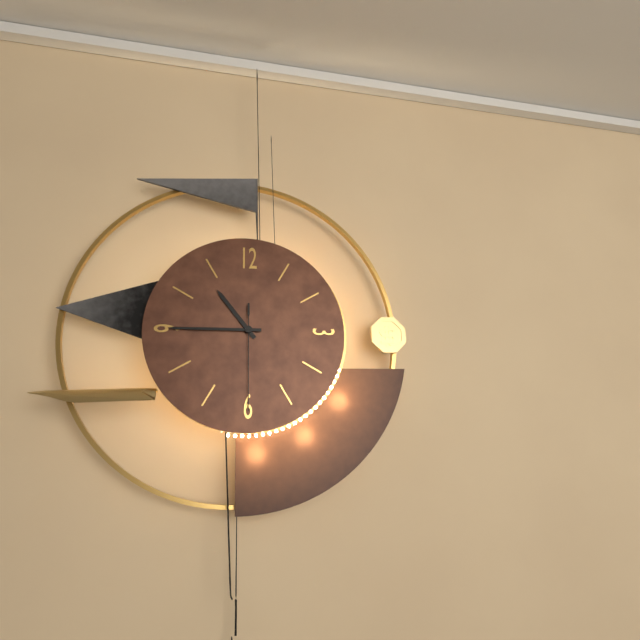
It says 10:45:30
